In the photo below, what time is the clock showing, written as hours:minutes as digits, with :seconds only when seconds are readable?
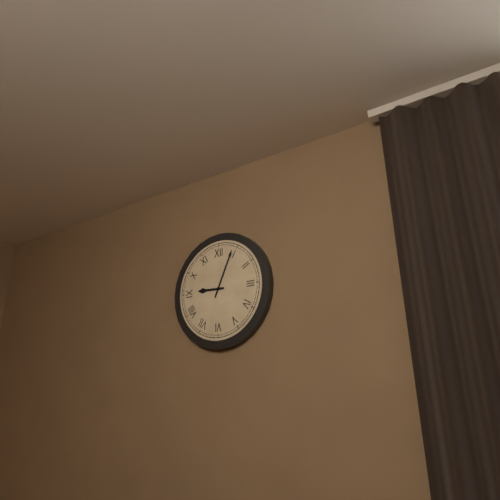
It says 9:04
